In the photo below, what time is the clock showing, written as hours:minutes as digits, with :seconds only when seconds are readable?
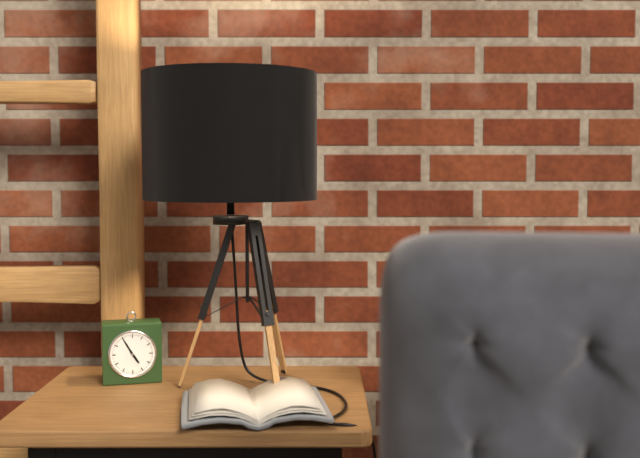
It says 4:55
